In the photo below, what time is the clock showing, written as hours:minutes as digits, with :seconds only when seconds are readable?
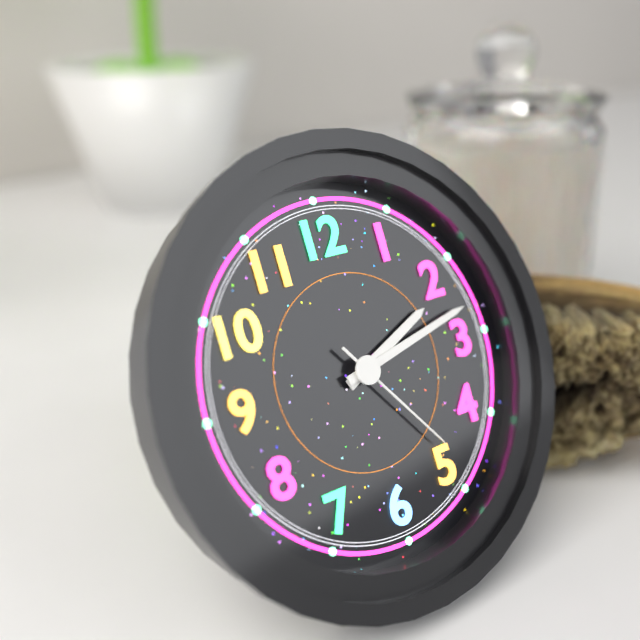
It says 2:13:24
